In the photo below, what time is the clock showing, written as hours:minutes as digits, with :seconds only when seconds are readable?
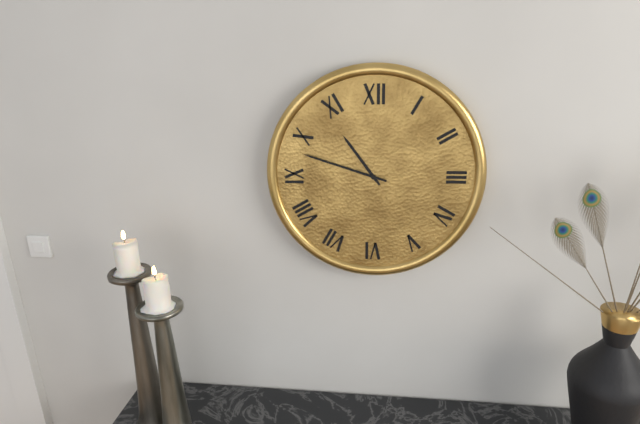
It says 10:48
